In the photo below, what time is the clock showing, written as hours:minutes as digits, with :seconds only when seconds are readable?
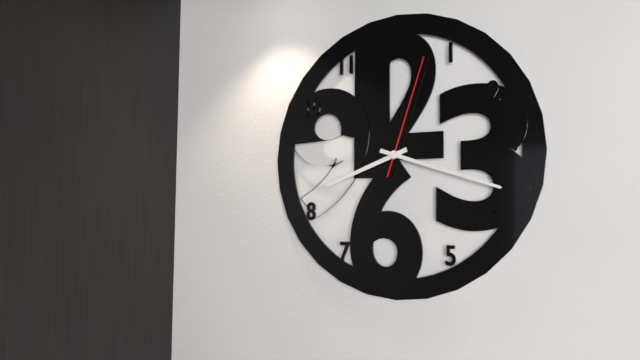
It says 8:18:03
